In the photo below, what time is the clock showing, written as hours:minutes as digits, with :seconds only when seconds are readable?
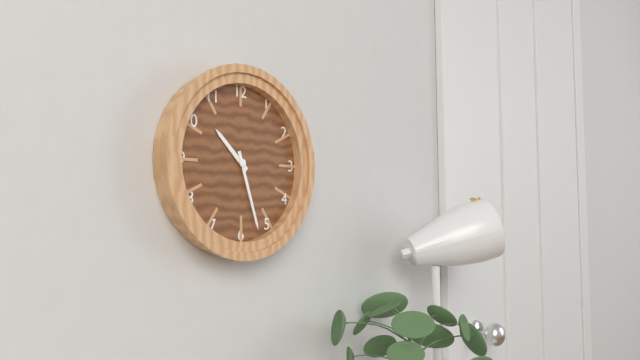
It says 10:27
